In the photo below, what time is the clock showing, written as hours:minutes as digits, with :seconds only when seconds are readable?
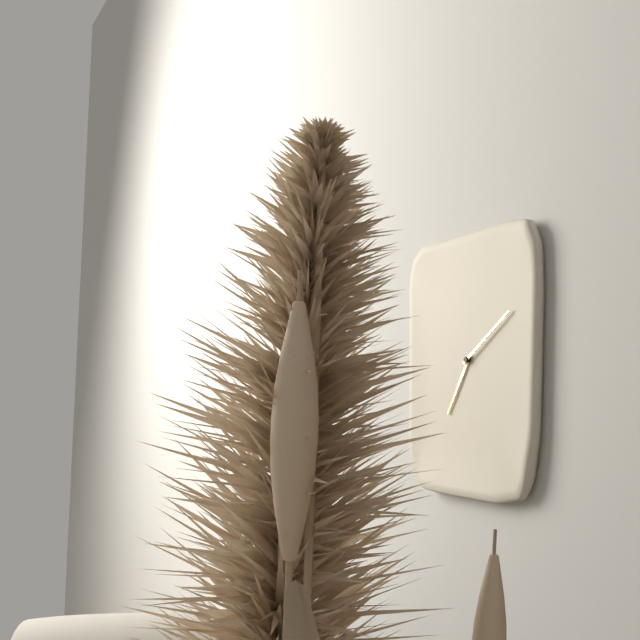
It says 7:10
